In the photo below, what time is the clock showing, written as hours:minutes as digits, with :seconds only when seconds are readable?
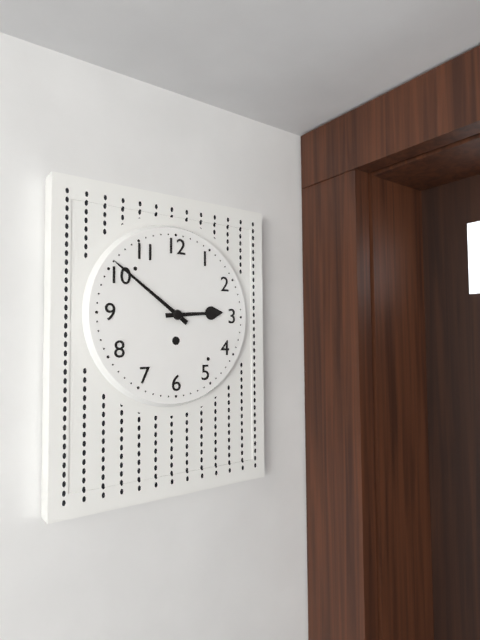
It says 2:51
